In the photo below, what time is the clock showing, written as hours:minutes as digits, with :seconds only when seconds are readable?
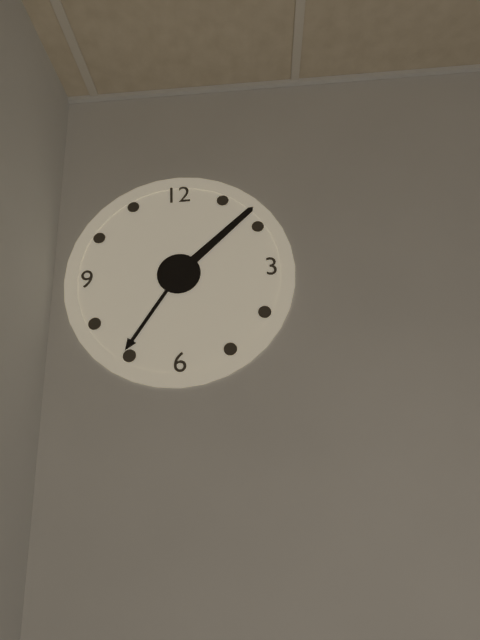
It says 7:08
